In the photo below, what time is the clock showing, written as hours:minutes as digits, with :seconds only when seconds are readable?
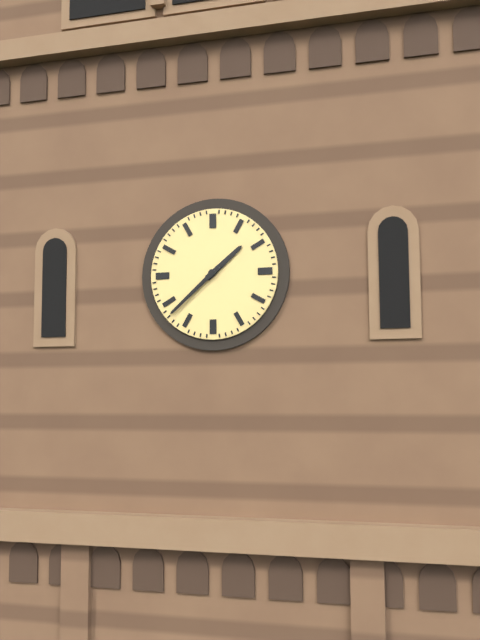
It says 1:38
